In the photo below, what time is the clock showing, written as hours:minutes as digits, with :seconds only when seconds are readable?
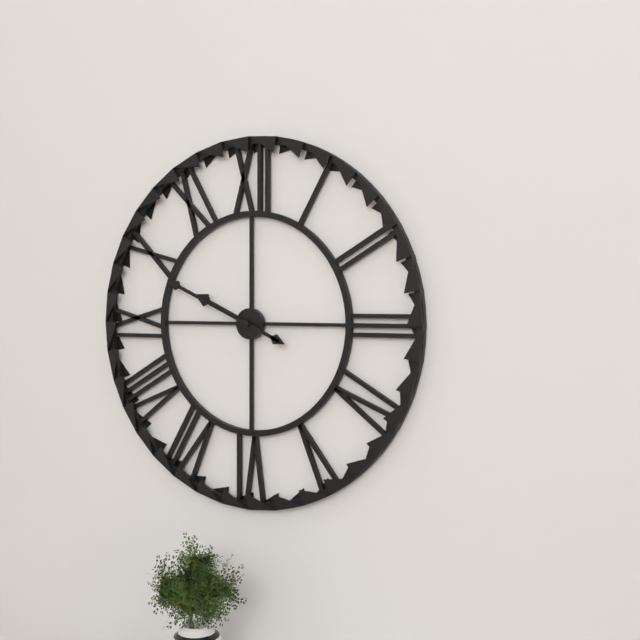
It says 9:49
